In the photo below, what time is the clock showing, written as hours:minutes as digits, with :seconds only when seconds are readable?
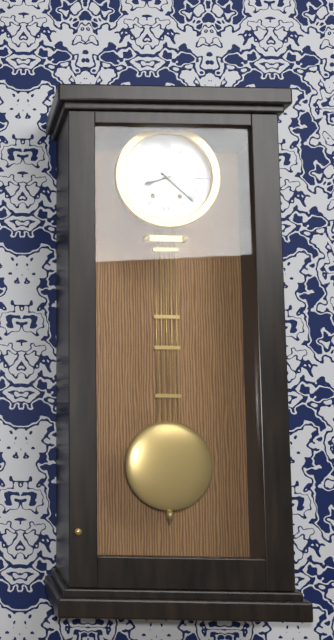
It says 8:22
